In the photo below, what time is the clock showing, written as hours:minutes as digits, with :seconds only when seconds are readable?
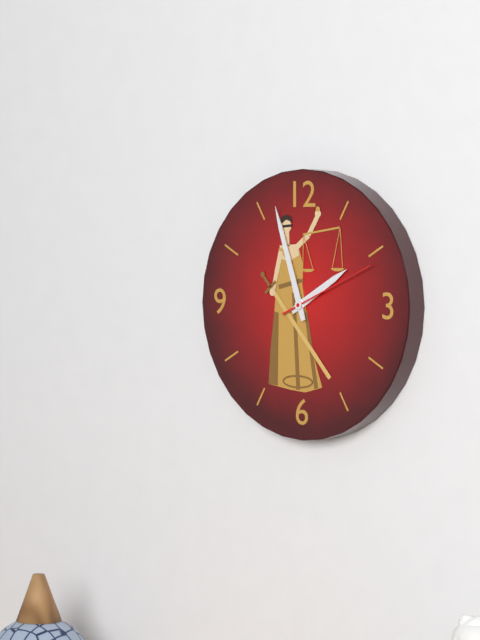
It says 1:57:11
